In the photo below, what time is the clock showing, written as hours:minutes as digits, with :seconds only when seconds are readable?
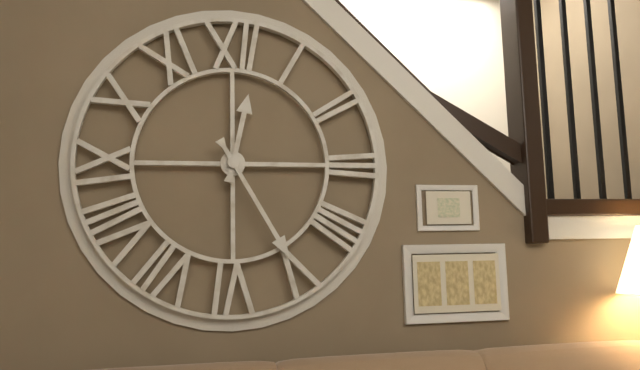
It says 12:25
